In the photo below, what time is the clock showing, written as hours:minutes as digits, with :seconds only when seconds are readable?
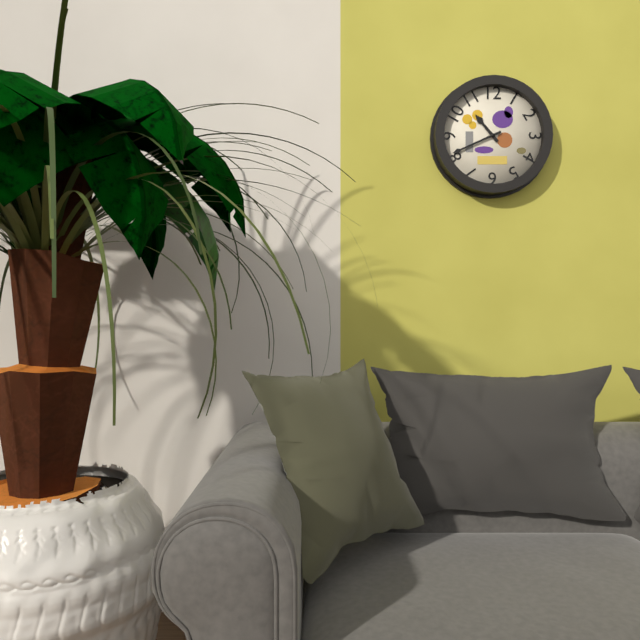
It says 10:41
